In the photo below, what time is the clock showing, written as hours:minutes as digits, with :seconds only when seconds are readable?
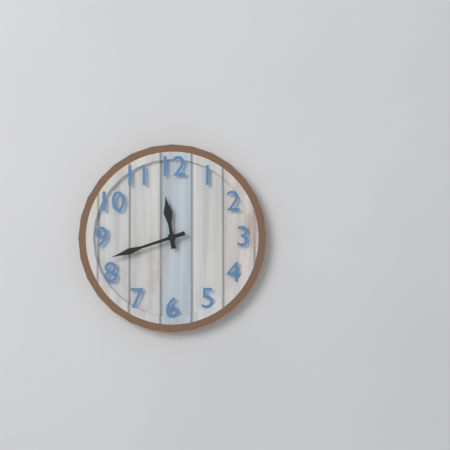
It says 11:42
